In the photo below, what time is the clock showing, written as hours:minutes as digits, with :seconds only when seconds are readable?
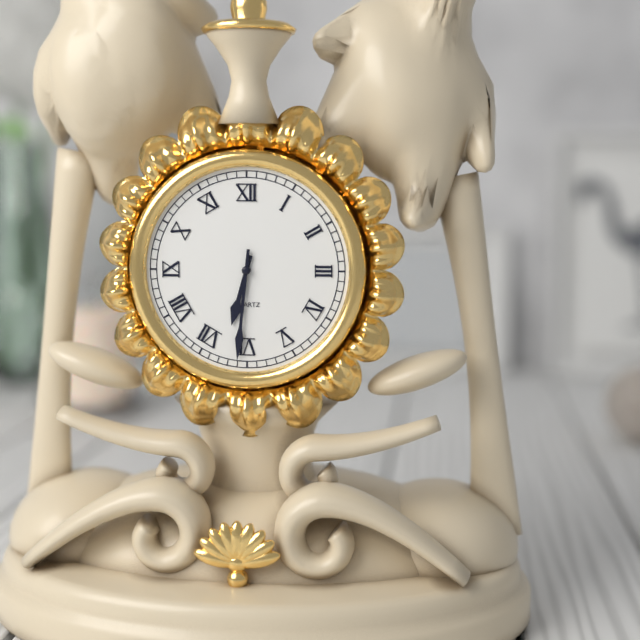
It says 6:31
